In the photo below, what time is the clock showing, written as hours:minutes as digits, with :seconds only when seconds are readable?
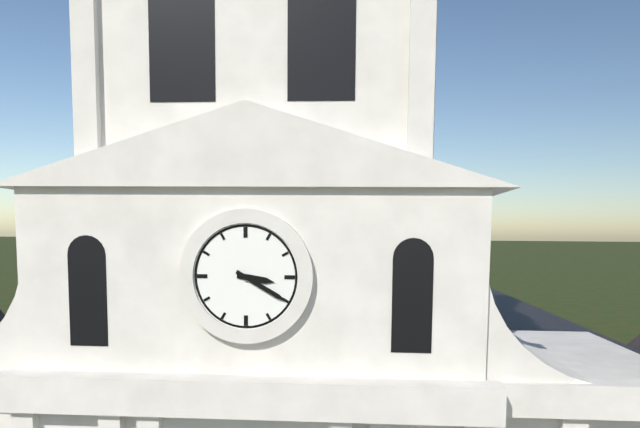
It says 3:20
